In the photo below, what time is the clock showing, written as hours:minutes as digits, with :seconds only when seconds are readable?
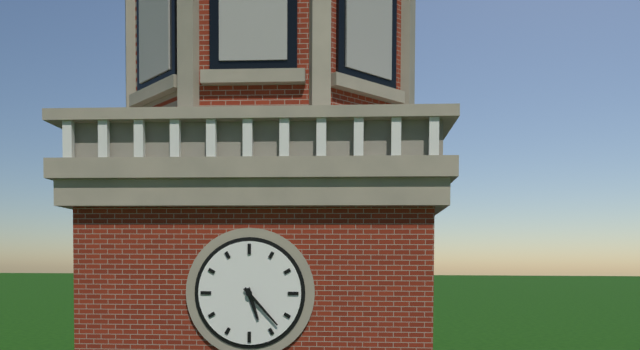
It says 5:23
